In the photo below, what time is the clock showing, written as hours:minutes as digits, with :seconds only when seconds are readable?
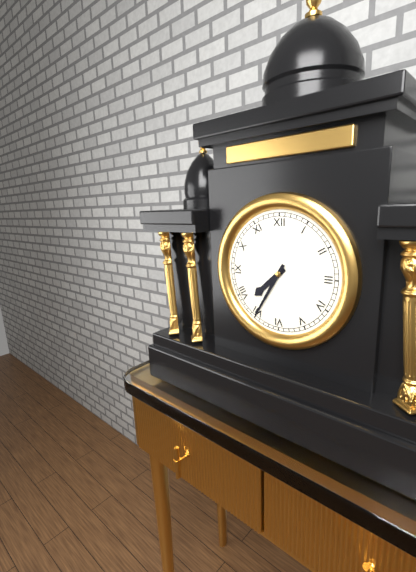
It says 7:35
